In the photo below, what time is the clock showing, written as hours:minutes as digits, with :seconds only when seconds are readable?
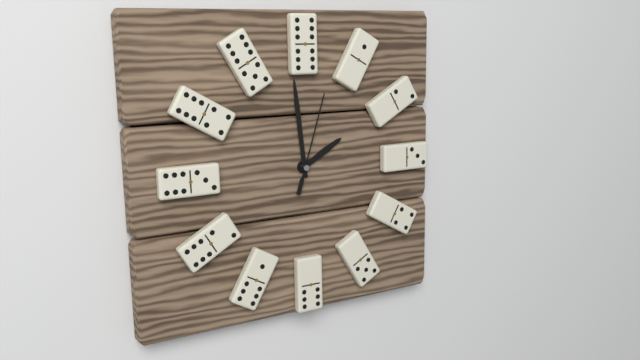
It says 1:59:03
